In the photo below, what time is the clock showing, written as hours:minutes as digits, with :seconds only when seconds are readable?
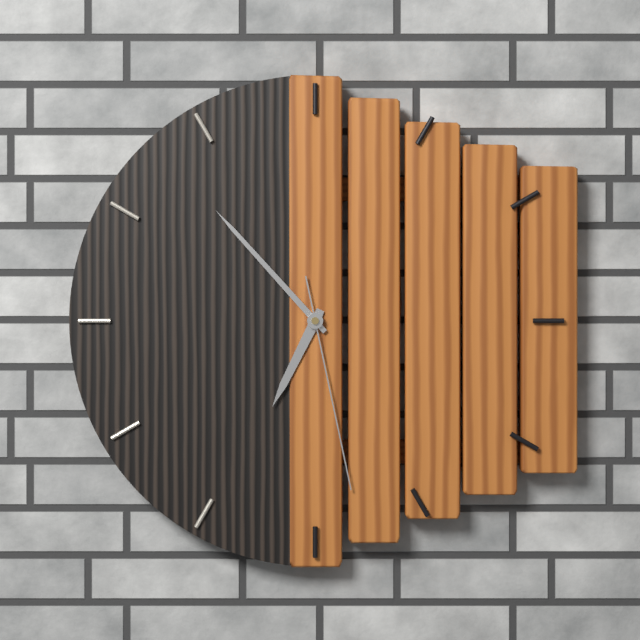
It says 6:53:28
